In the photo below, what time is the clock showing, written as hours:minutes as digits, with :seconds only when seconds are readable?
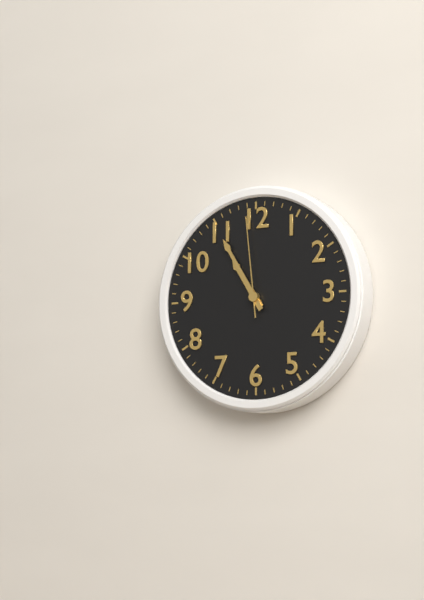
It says 10:55:59
